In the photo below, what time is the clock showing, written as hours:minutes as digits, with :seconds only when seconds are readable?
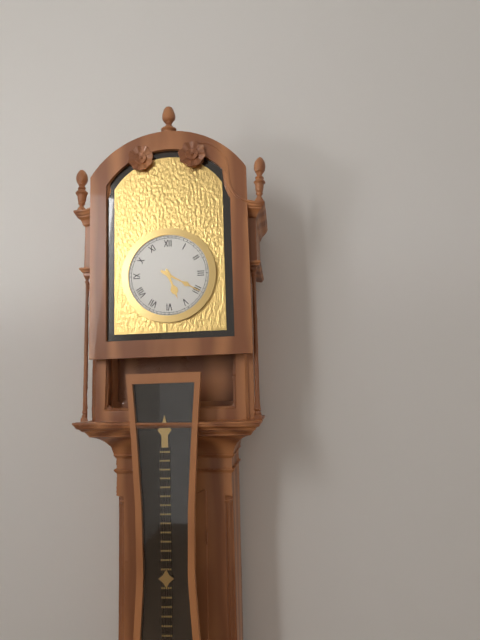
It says 5:20
